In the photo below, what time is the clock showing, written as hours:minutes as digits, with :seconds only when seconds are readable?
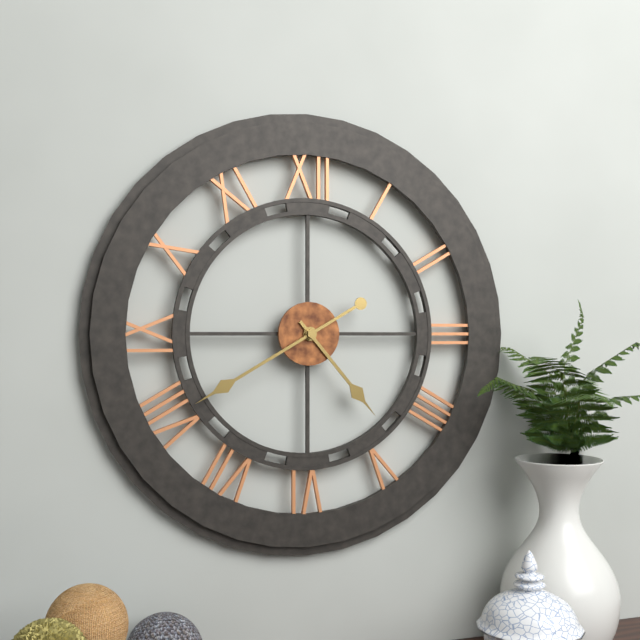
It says 4:40
